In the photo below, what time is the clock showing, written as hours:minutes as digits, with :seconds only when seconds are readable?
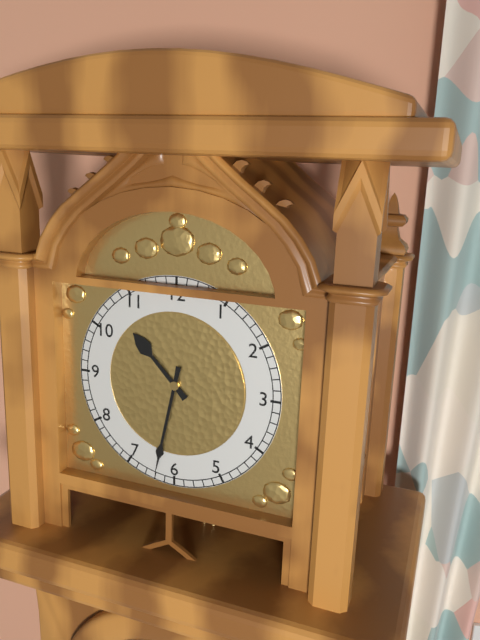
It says 10:32
